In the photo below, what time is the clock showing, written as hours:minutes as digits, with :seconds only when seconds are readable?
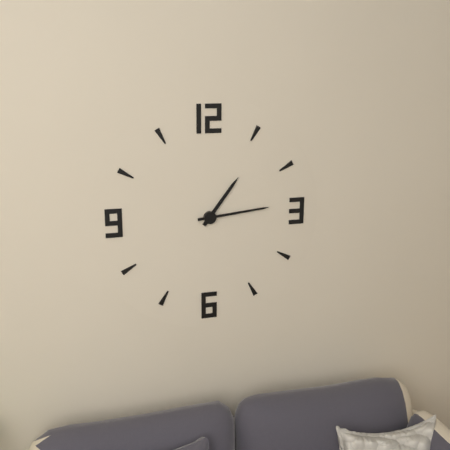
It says 1:14
